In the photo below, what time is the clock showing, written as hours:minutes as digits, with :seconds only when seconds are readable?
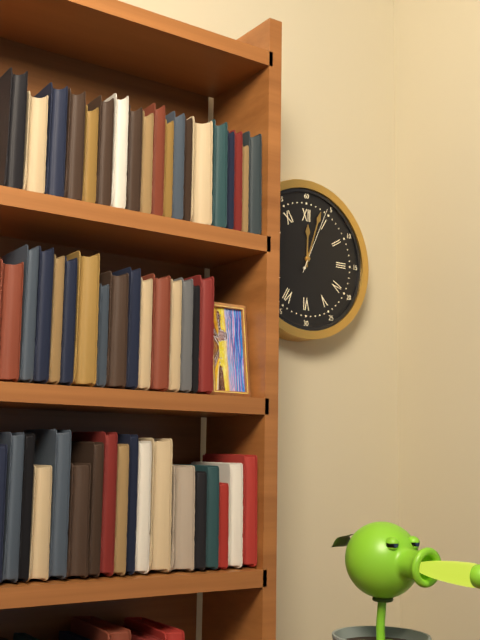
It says 12:03:04
